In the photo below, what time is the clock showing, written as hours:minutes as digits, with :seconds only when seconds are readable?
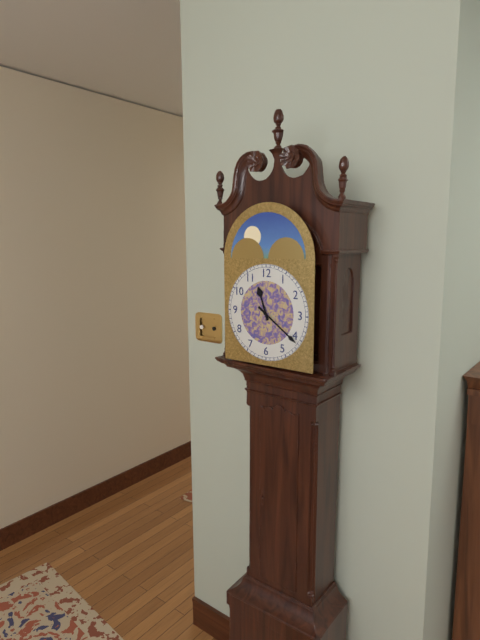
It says 11:21
